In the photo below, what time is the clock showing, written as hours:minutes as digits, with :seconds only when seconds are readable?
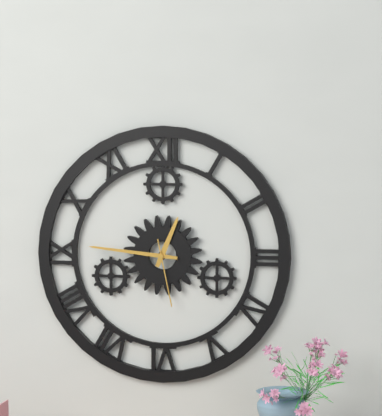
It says 12:46:28
